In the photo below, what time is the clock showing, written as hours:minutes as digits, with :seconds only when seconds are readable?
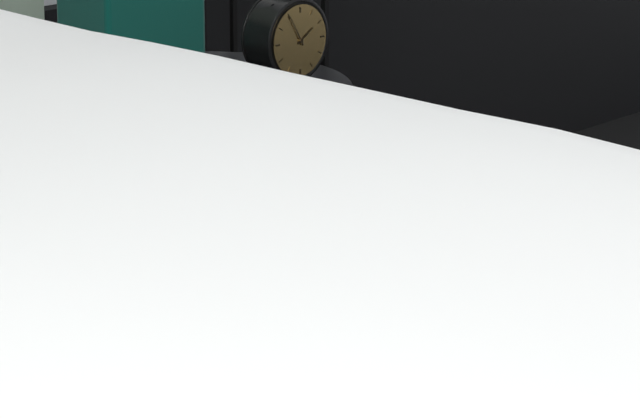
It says 1:55
